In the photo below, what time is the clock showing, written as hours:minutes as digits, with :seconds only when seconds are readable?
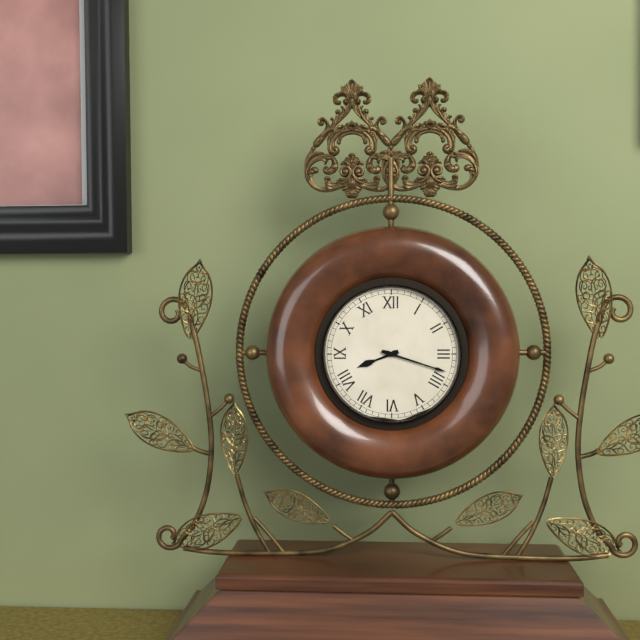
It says 8:18
